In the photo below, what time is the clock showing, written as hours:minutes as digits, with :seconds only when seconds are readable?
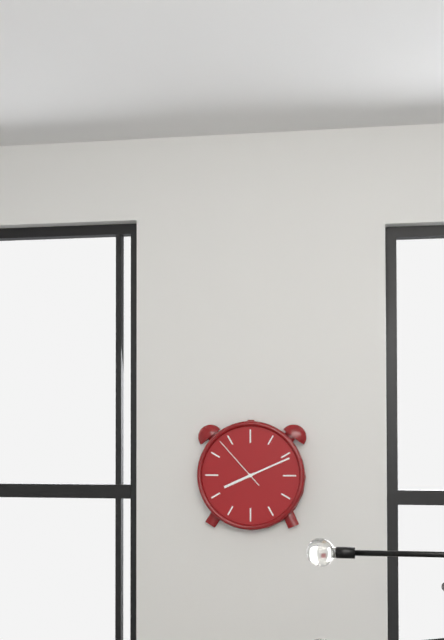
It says 8:11:53
